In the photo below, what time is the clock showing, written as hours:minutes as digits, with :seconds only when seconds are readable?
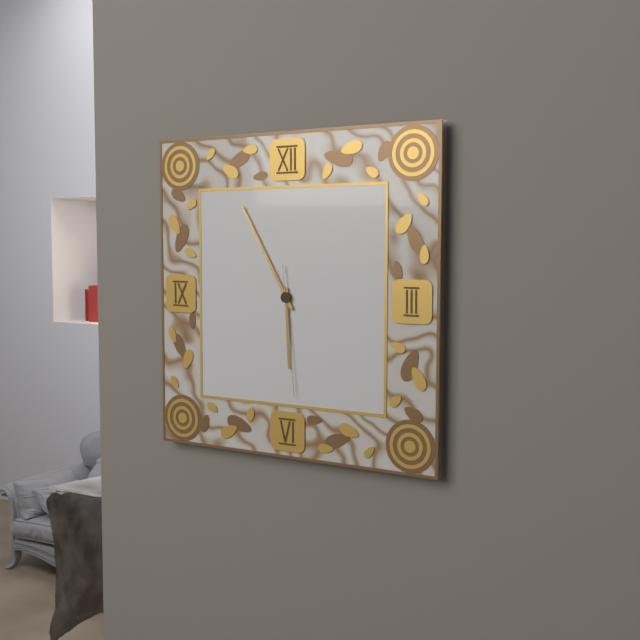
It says 5:55:29
